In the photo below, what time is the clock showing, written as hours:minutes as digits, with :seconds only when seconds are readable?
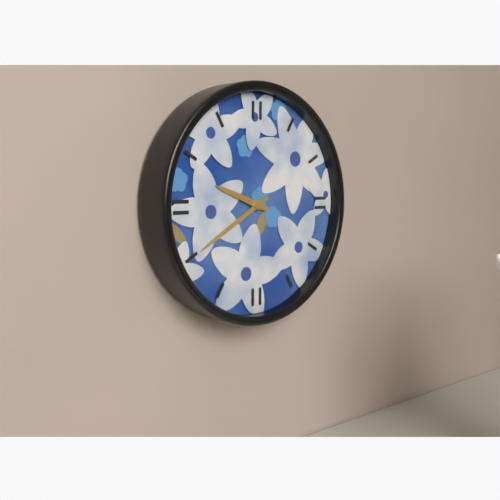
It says 9:40
